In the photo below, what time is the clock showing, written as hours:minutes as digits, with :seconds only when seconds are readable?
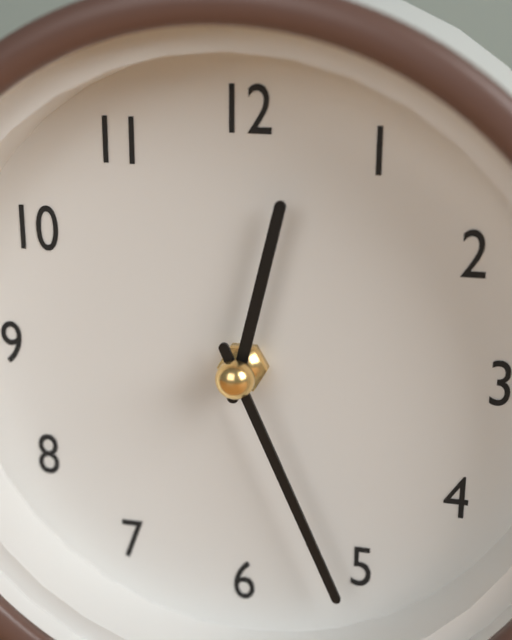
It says 12:26
